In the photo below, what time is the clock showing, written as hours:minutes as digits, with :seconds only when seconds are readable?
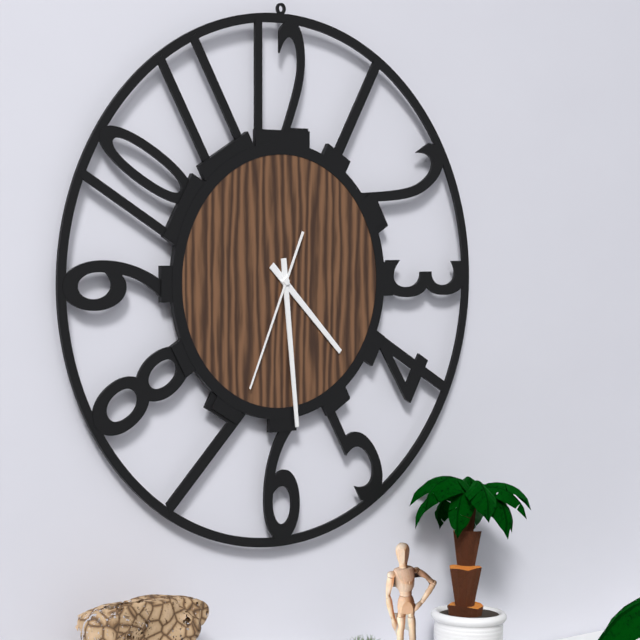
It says 4:29:34
